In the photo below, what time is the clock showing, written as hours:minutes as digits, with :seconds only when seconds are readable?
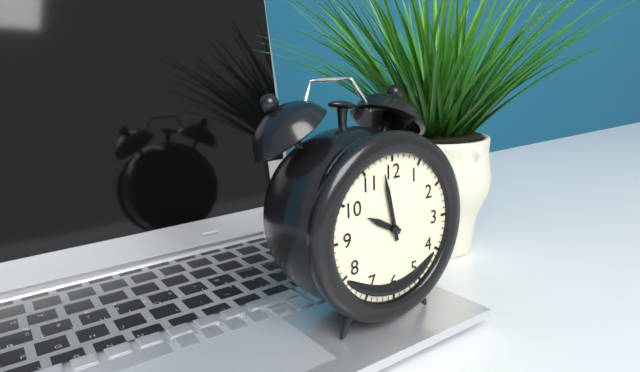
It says 9:58
